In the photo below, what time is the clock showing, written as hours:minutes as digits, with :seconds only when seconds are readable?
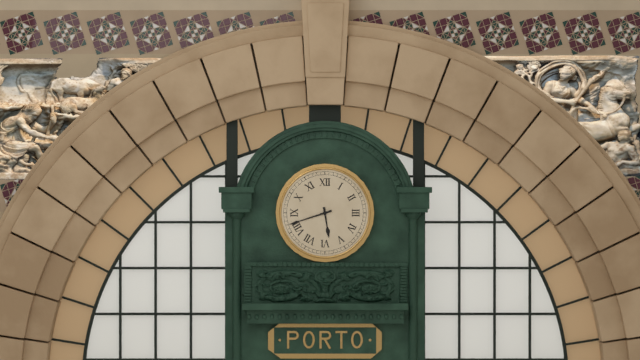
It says 5:42
